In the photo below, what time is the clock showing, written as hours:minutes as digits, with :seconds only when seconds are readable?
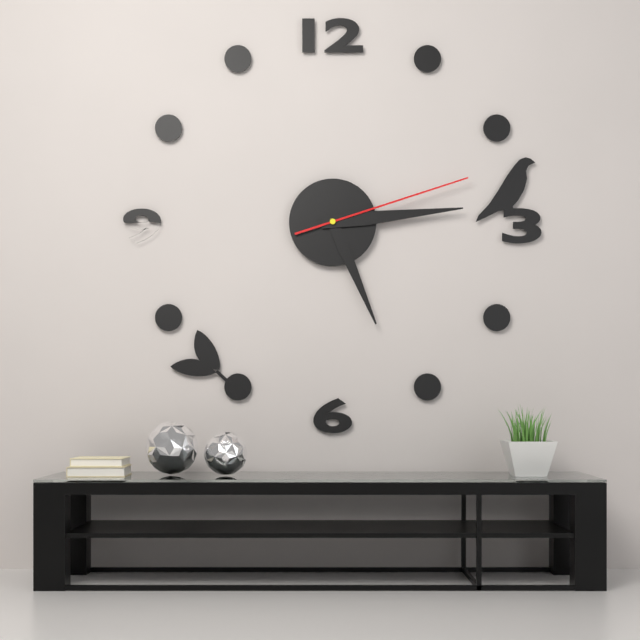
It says 5:14:12
